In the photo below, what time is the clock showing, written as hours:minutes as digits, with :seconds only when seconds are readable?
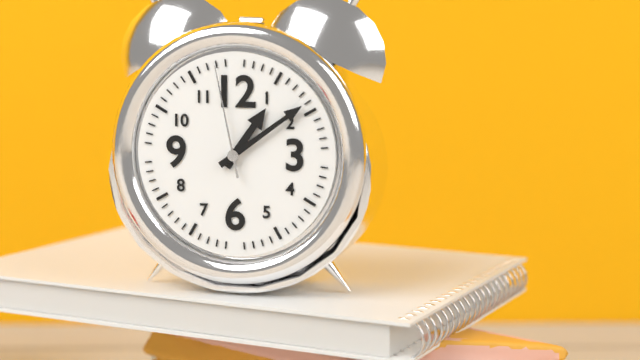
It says 1:09:58
